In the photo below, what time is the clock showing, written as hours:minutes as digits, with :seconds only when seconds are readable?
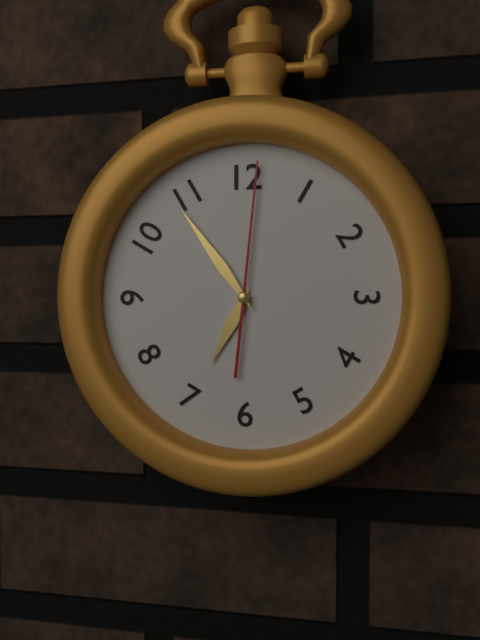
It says 6:54:01
